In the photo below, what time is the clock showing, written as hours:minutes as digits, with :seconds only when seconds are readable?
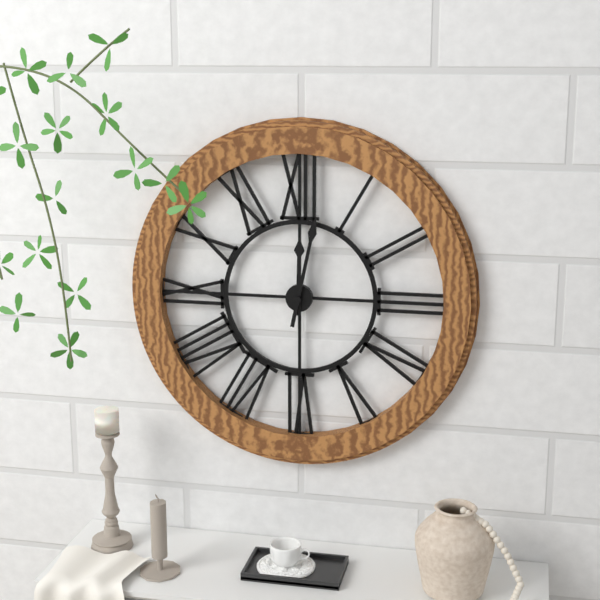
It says 12:02
